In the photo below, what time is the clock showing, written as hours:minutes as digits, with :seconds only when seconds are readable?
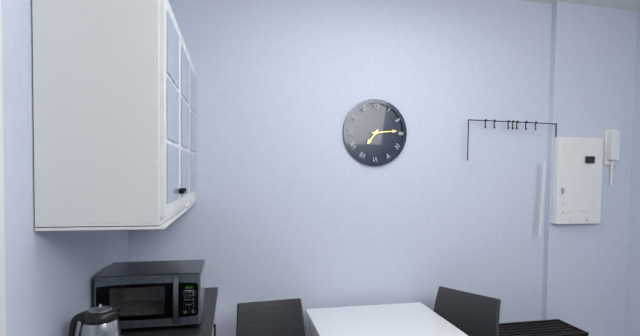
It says 7:14
